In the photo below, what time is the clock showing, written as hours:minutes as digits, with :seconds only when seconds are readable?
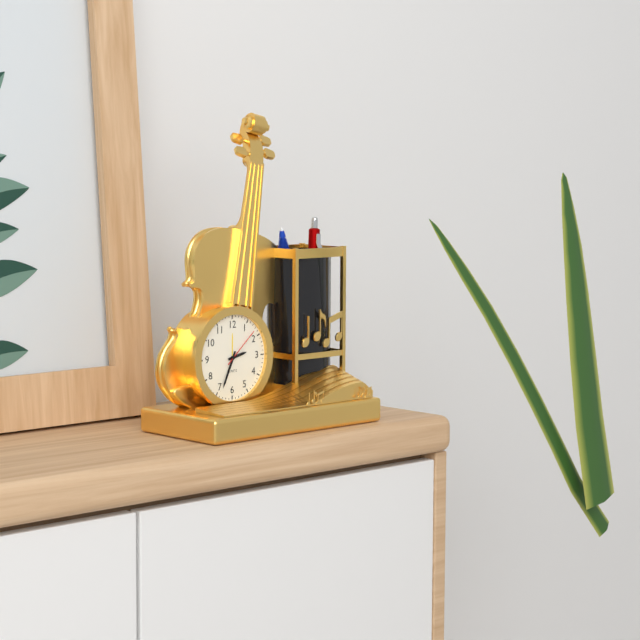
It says 2:34
